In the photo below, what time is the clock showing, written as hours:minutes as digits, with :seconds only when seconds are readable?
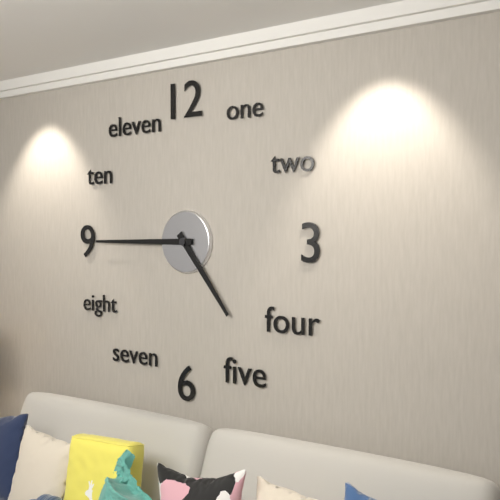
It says 4:45
